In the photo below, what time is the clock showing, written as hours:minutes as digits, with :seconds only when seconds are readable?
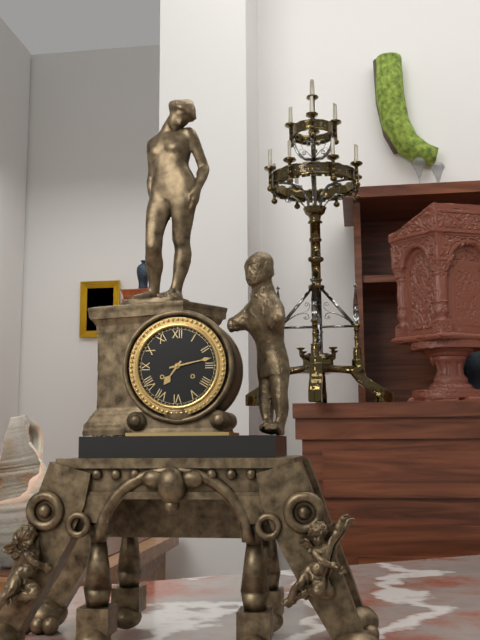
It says 7:13
